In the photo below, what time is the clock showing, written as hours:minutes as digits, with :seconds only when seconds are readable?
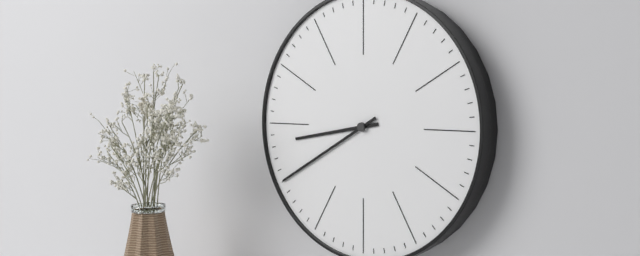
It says 8:40
